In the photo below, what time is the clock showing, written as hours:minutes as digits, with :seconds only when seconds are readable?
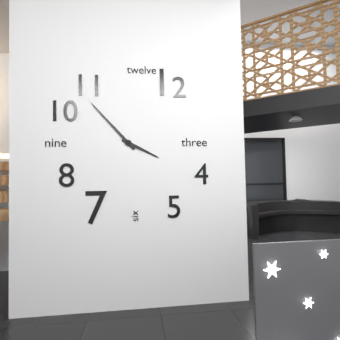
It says 3:53
